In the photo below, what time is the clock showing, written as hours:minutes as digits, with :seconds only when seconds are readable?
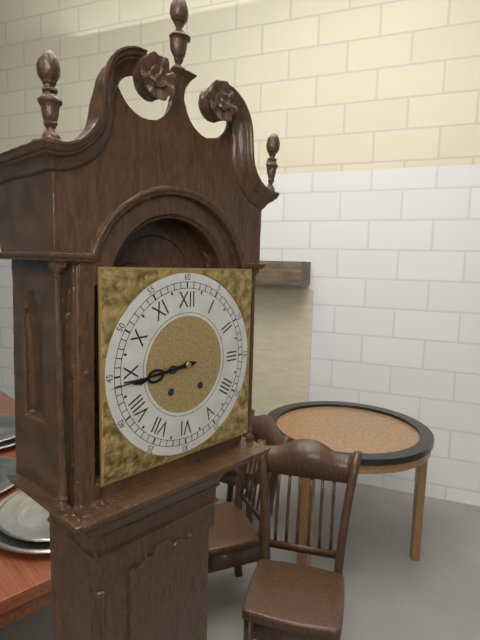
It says 8:44
